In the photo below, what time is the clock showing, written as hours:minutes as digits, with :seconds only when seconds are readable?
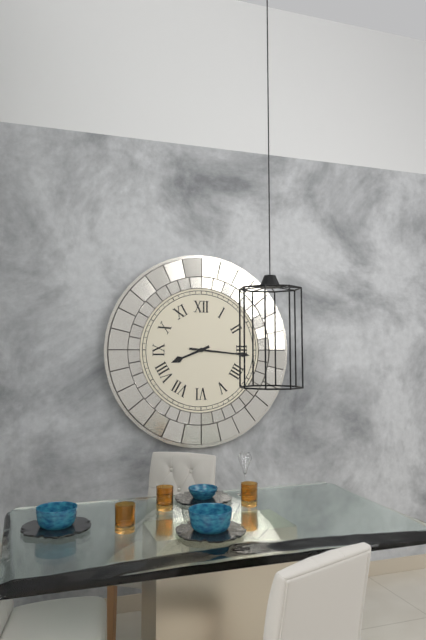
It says 8:16
